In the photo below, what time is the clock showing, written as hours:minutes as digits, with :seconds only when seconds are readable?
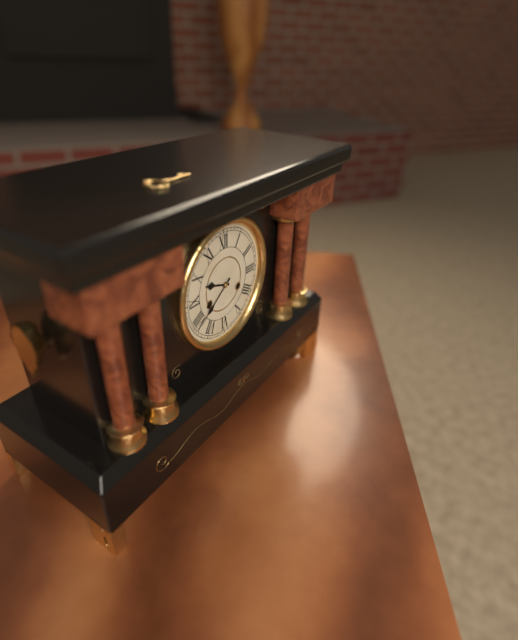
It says 9:39
